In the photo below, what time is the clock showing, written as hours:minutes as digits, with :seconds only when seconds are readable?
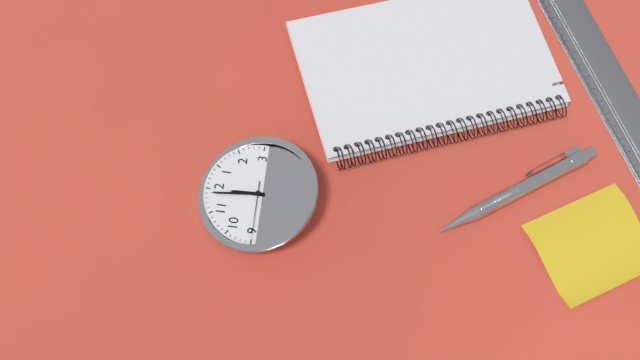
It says 11:59:45
